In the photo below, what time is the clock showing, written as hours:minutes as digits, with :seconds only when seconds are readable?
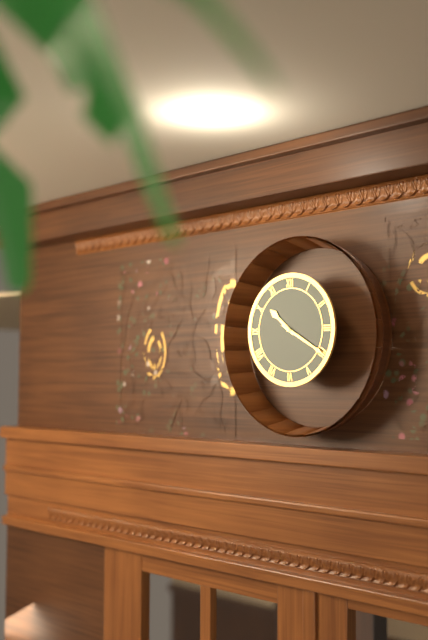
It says 10:20
